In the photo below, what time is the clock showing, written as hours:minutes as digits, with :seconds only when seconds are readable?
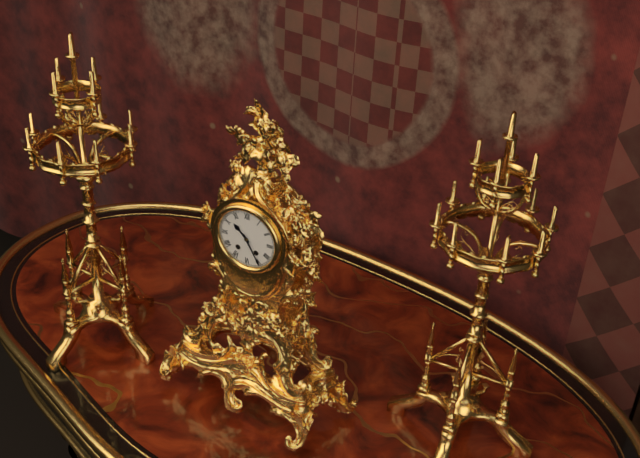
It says 10:25
